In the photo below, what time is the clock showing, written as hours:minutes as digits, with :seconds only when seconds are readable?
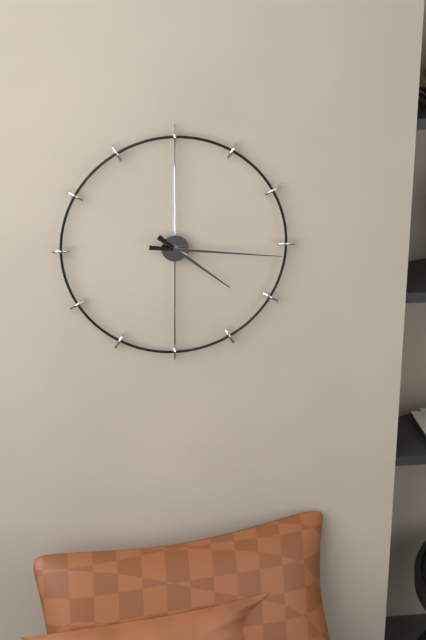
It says 4:16
